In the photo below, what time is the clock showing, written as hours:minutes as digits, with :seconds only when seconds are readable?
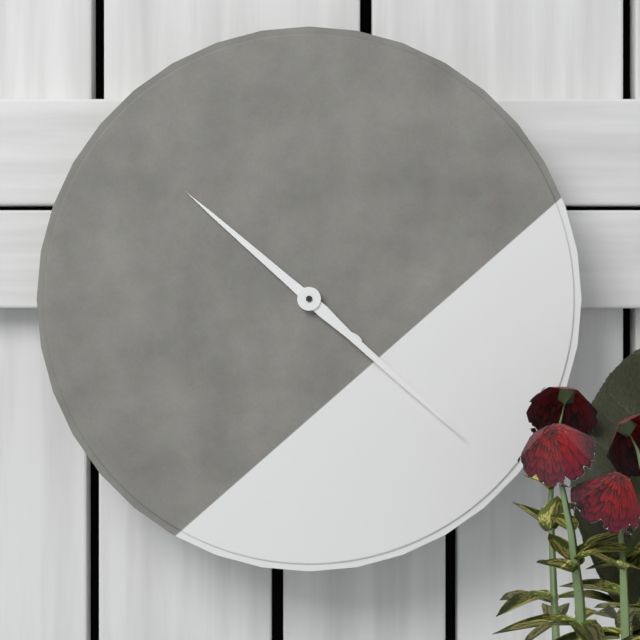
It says 10:22
